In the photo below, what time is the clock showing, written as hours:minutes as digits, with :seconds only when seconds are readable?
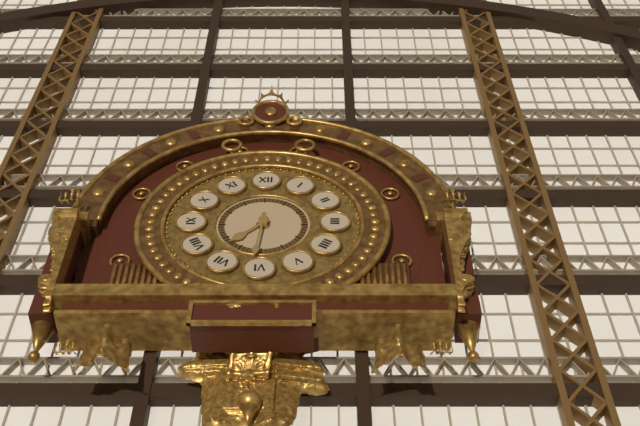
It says 7:31
